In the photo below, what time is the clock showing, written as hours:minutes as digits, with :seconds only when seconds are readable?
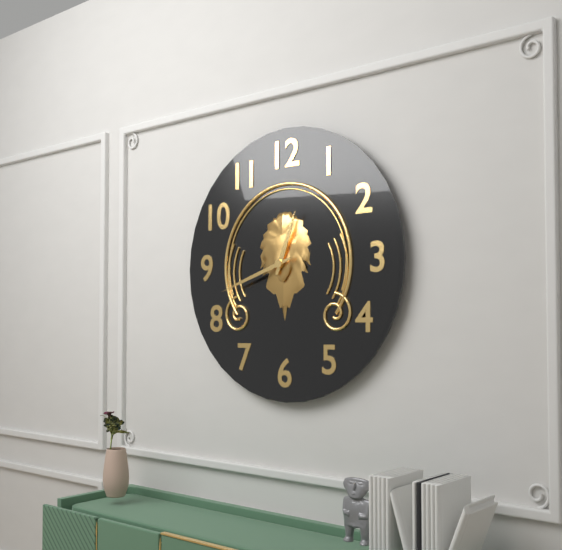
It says 12:42
